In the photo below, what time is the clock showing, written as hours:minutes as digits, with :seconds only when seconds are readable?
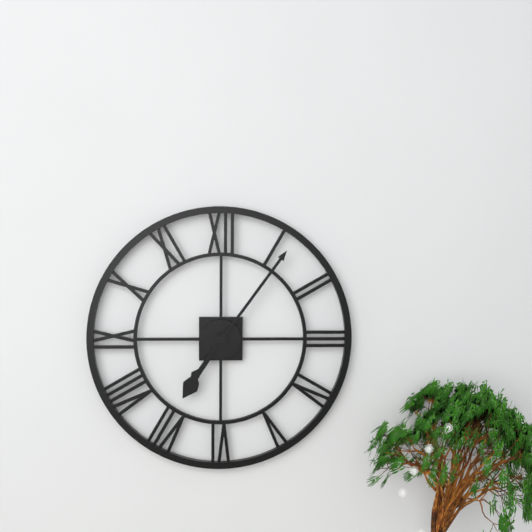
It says 7:06
